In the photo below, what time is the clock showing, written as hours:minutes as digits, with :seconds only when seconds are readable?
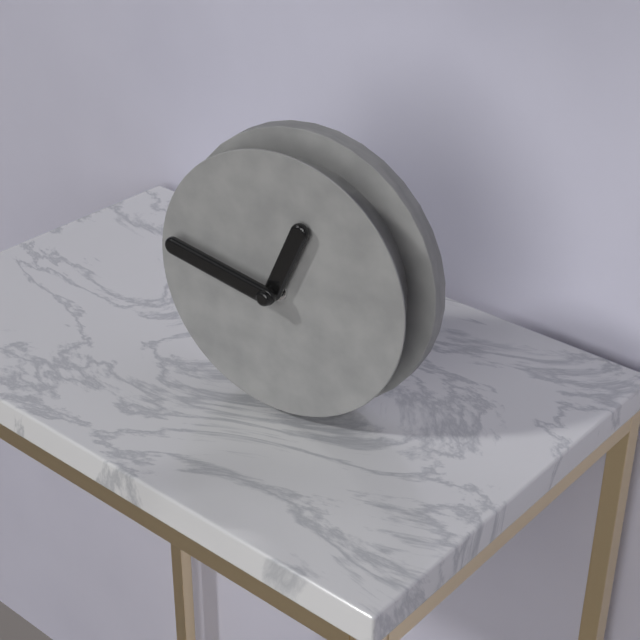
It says 12:47
